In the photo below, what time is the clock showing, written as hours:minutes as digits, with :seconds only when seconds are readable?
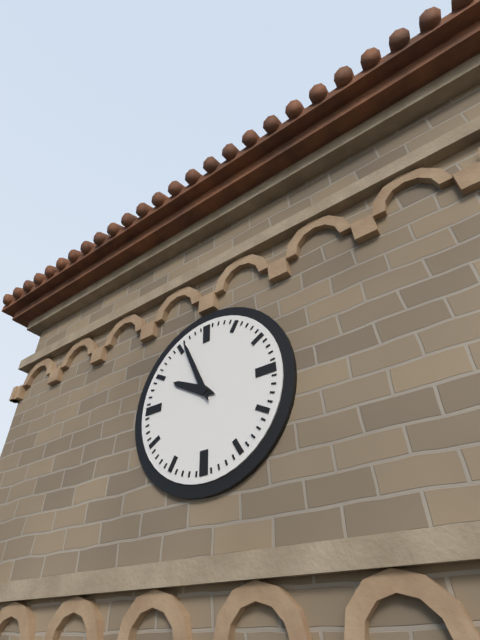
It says 9:56
